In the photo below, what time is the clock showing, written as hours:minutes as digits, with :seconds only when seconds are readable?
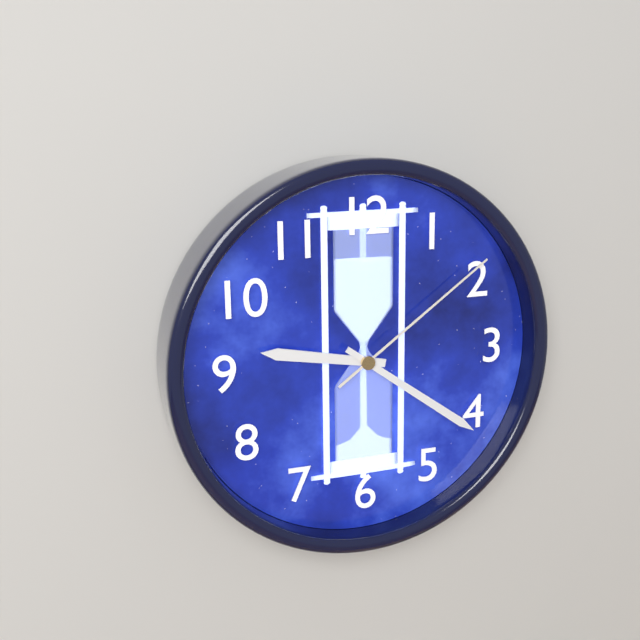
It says 9:21:09
